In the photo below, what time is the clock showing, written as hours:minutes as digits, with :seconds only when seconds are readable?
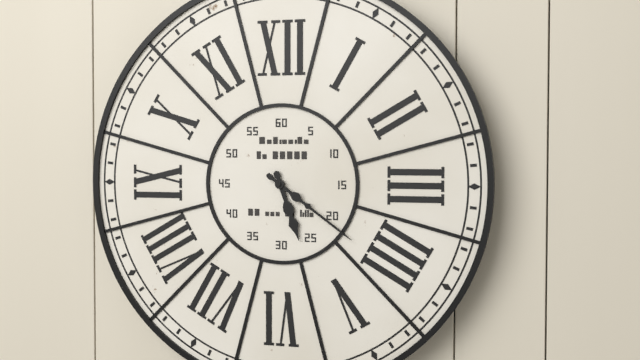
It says 5:21
